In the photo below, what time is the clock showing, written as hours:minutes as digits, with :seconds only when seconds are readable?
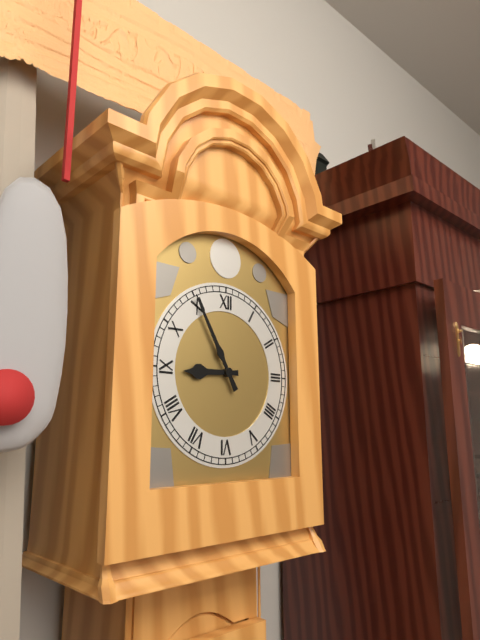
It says 8:55
